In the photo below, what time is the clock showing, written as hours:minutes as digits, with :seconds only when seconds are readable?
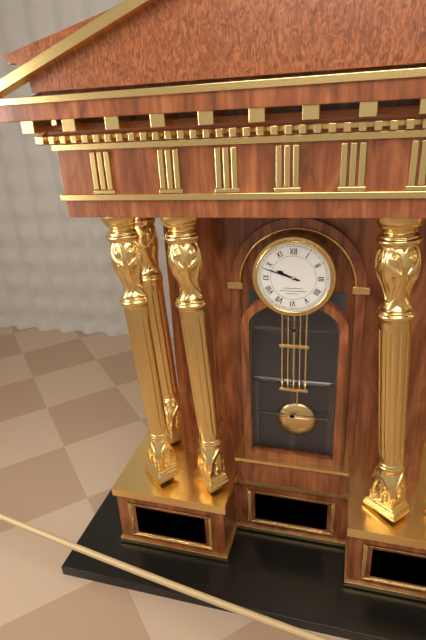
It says 9:48
